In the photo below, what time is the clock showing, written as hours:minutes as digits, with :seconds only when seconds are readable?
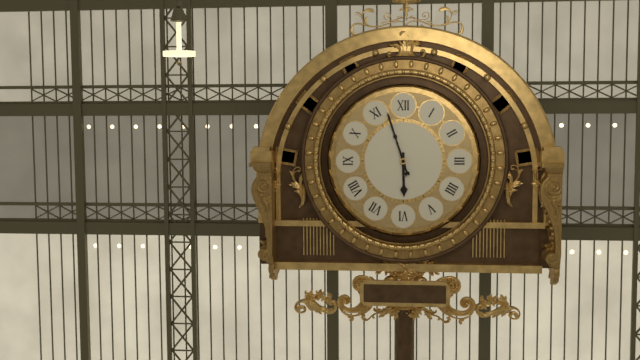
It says 5:57
